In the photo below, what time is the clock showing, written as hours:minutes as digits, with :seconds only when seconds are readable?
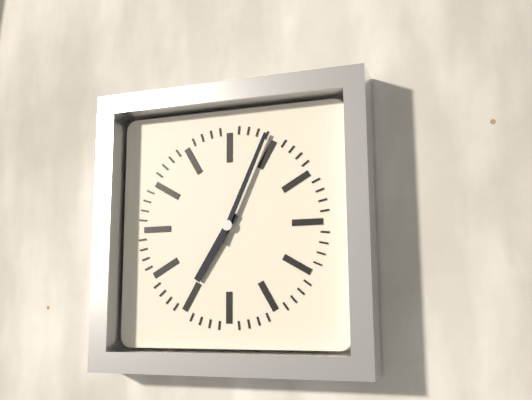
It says 7:04
